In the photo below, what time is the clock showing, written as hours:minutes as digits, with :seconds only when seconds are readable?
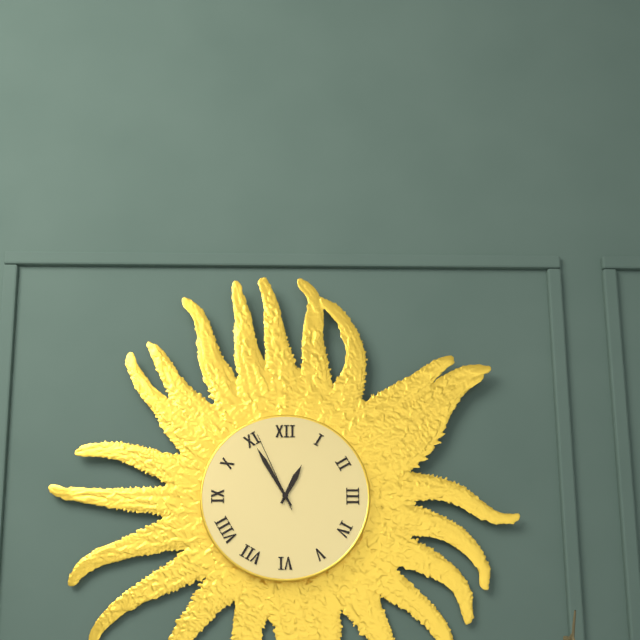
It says 12:55:56
